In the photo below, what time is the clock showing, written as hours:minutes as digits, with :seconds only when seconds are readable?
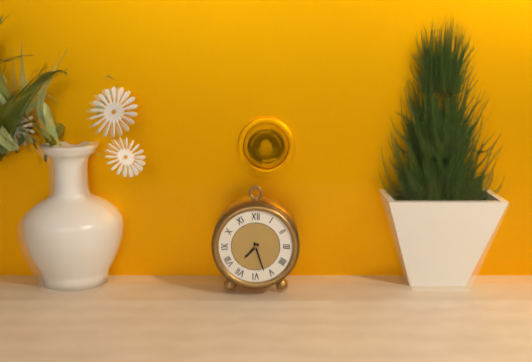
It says 7:27
